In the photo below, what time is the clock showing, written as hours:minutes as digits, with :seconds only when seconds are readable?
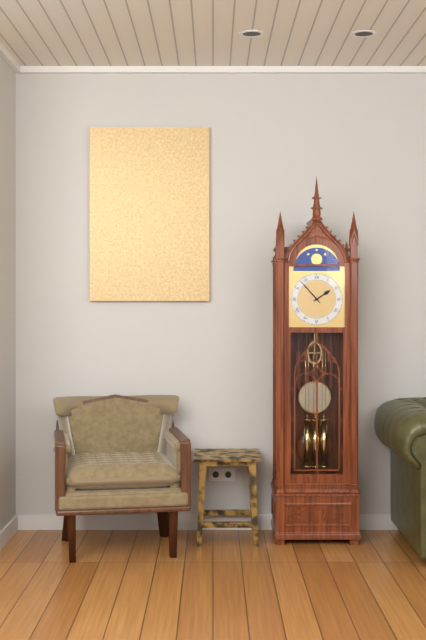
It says 1:53
